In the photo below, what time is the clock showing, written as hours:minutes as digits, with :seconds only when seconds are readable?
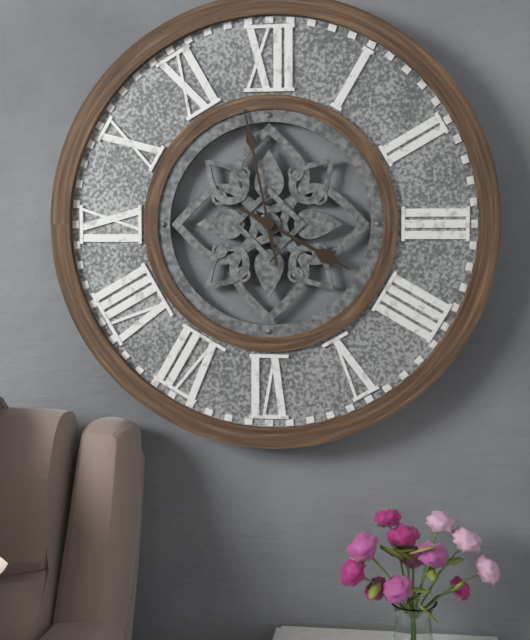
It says 3:58
